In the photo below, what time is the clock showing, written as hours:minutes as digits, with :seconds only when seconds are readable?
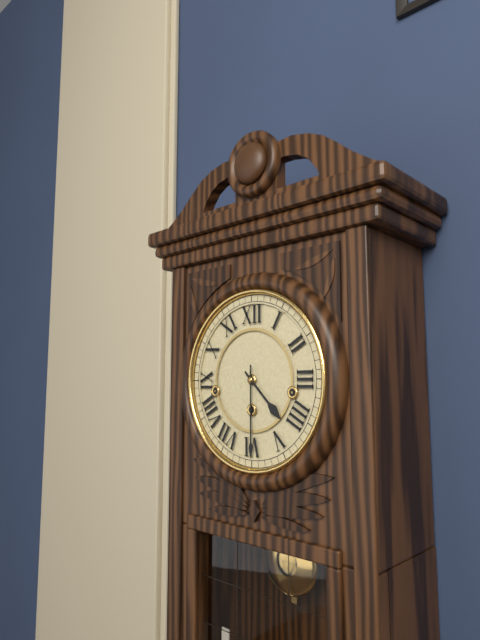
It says 4:30
